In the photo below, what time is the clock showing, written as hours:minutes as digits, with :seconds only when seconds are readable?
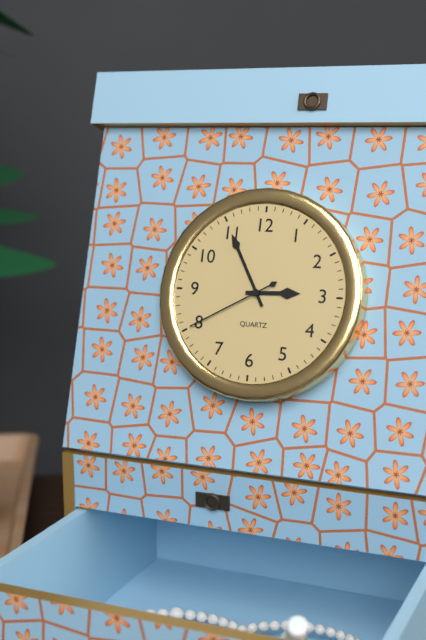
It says 2:55:40
